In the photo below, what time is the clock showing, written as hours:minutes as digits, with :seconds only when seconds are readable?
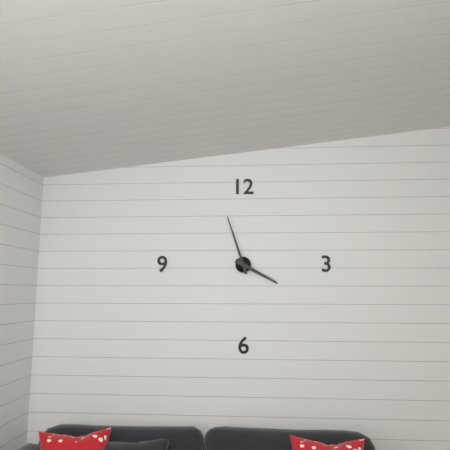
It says 3:57
